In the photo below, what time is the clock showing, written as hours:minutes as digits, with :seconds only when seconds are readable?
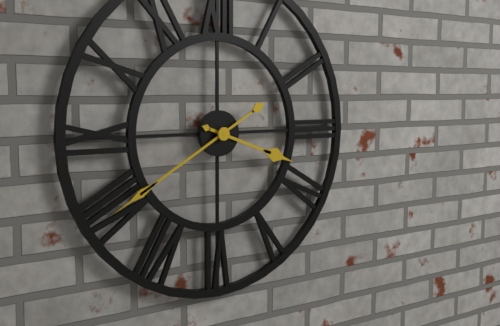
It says 3:40
